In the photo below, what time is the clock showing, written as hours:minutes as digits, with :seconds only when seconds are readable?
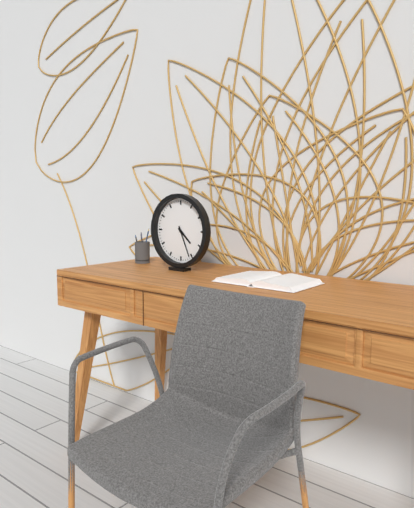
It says 4:26
